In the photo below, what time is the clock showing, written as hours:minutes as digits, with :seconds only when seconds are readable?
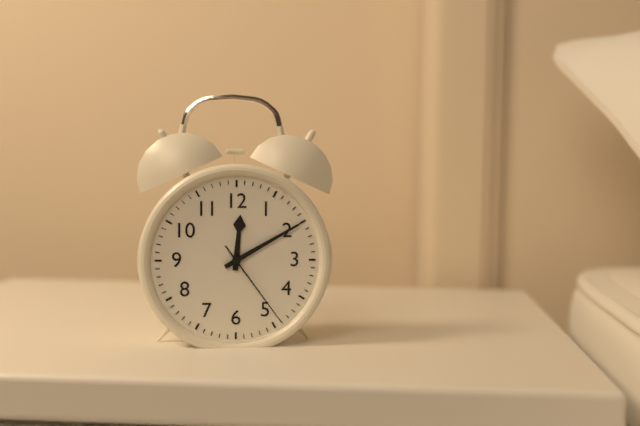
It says 12:10:24
